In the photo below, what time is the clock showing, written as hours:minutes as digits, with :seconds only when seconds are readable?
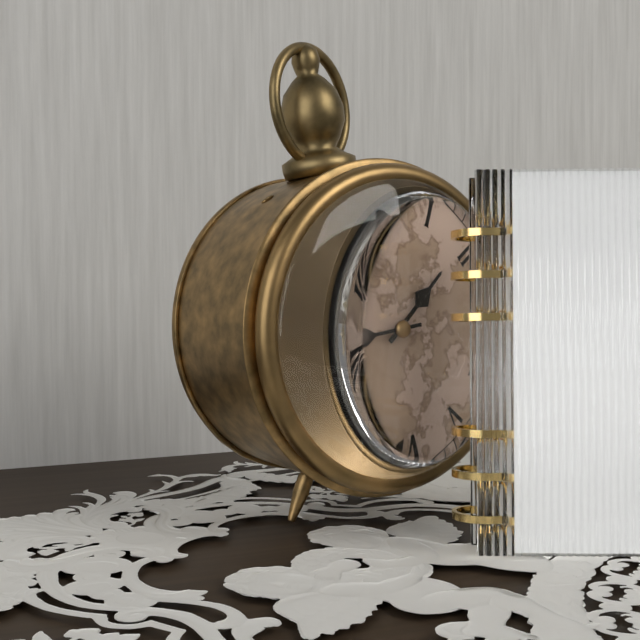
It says 1:45
